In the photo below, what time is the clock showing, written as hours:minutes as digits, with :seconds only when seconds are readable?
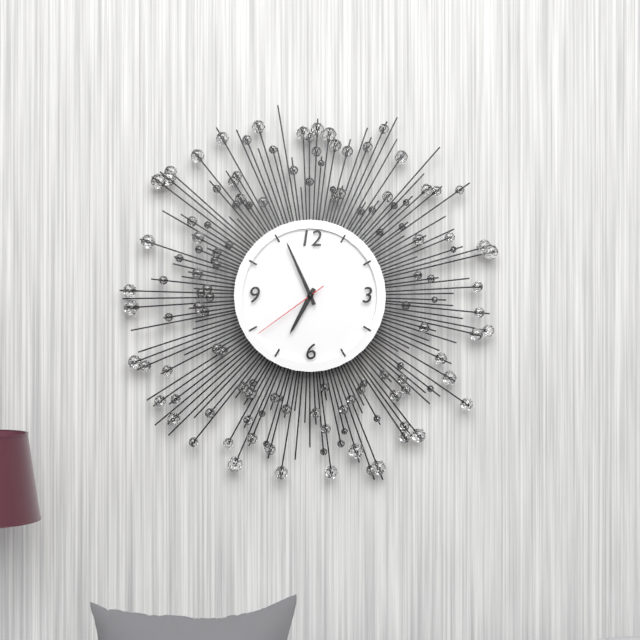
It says 6:56:39
